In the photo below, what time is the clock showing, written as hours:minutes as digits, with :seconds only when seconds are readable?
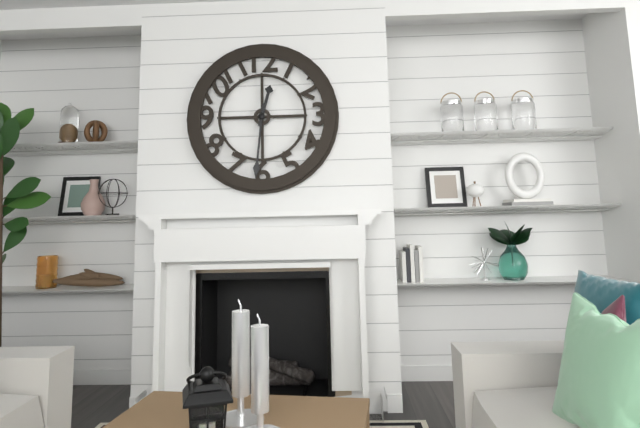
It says 12:31
